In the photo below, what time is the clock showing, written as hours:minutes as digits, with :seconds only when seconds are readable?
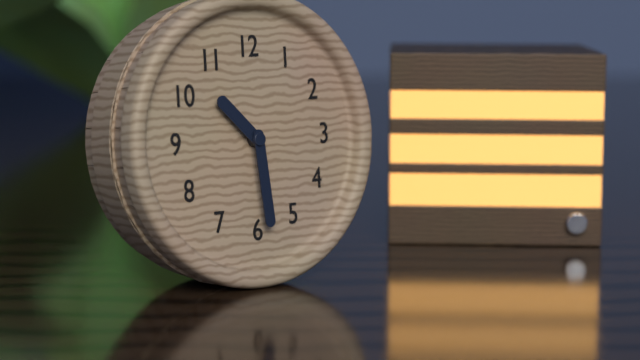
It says 10:29
